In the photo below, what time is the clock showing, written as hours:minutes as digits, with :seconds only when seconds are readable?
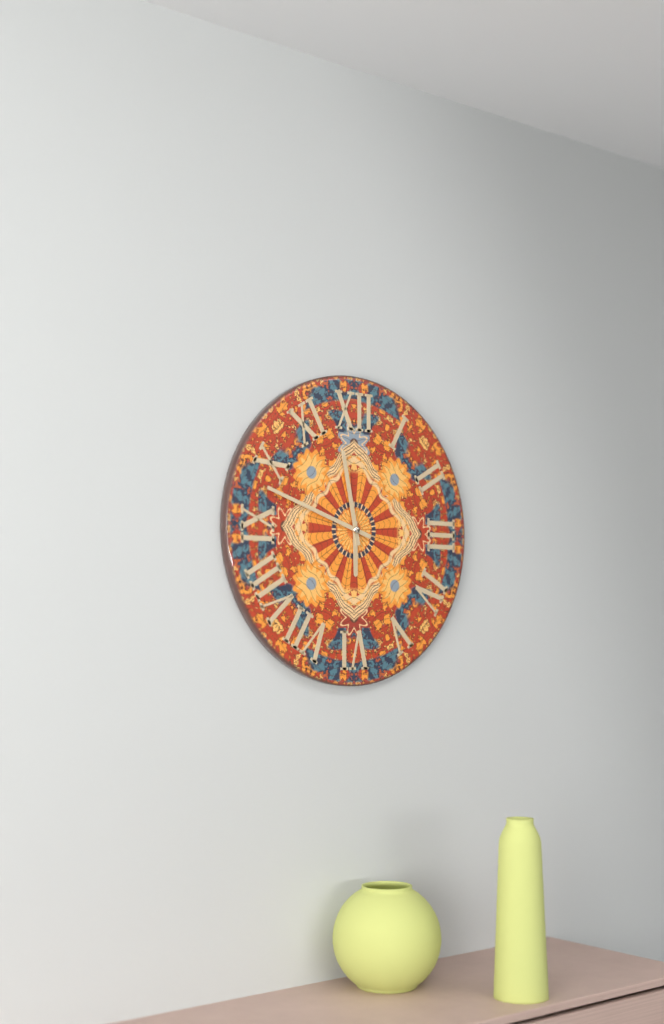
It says 5:58:48
